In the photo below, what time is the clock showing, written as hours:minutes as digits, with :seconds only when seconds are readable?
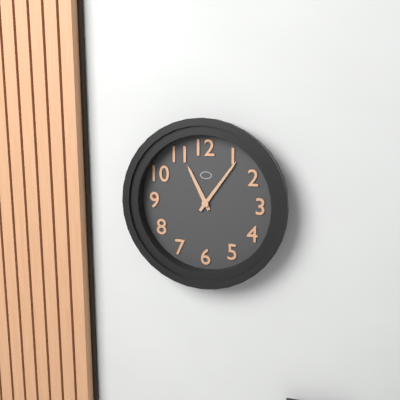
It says 11:06
